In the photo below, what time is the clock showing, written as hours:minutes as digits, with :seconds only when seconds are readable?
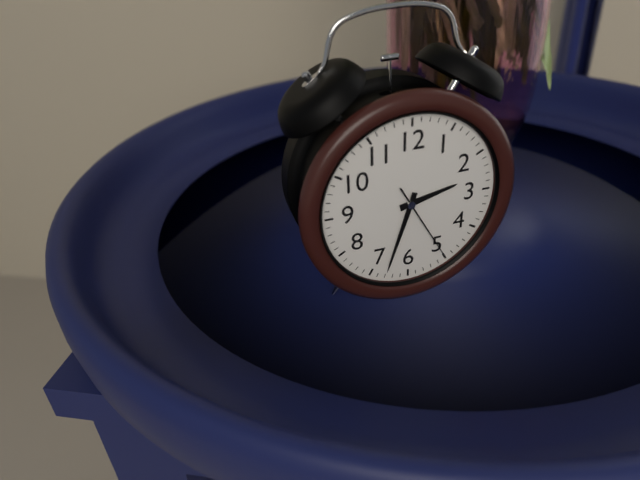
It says 2:33:25
